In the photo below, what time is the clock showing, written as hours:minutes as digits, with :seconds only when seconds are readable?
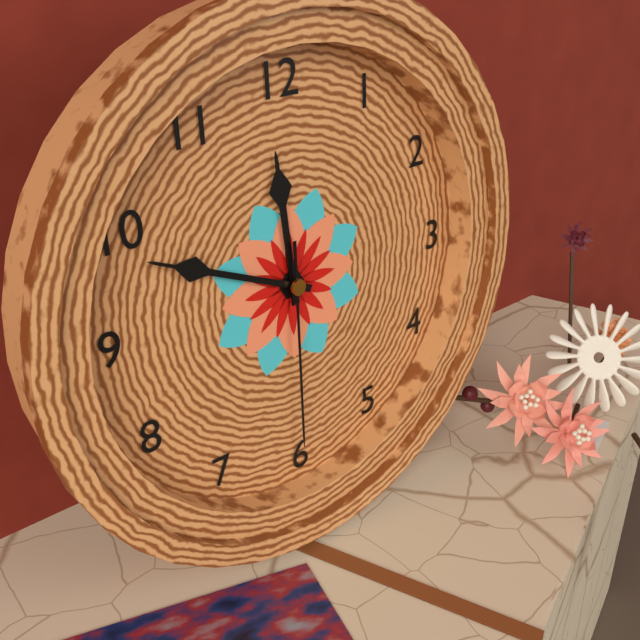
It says 11:49:30
